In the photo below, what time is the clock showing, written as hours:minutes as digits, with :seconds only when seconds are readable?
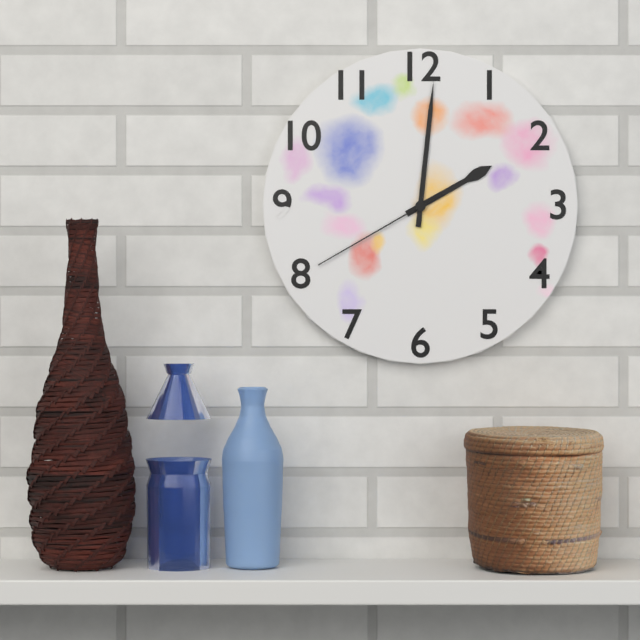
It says 2:01:40
